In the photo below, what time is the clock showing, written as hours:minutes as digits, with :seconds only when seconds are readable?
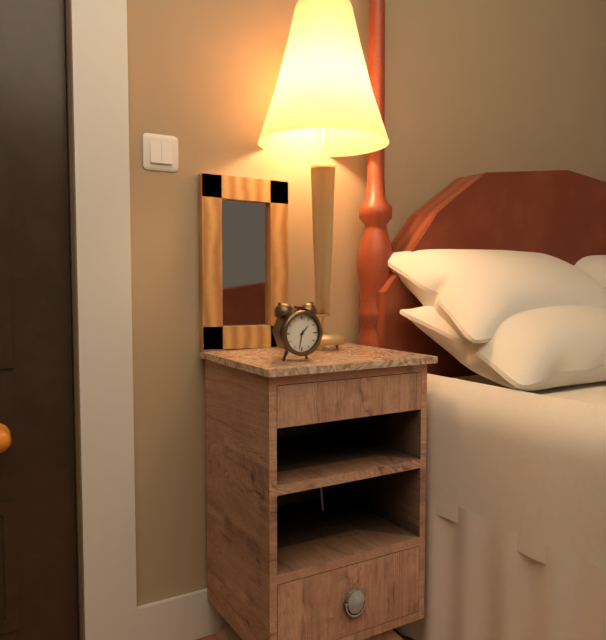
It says 1:32
